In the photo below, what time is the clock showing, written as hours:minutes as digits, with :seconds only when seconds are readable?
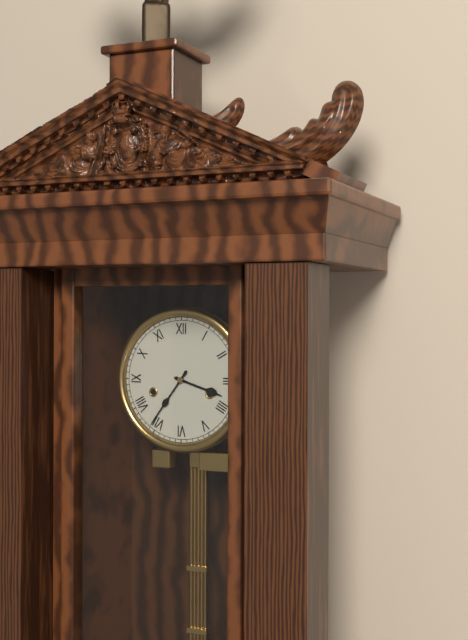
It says 3:36
